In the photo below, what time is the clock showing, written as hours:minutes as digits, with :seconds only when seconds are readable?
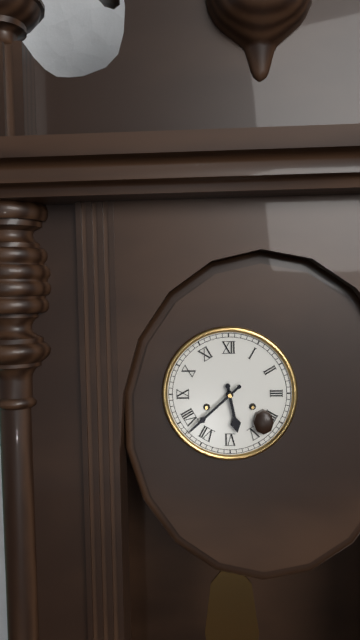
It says 5:38
